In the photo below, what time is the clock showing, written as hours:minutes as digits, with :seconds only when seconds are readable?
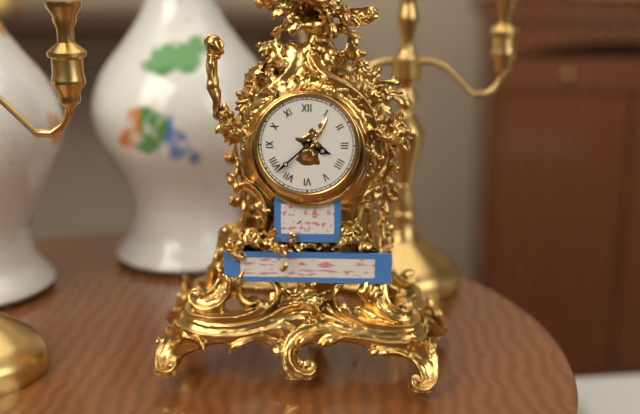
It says 3:38
